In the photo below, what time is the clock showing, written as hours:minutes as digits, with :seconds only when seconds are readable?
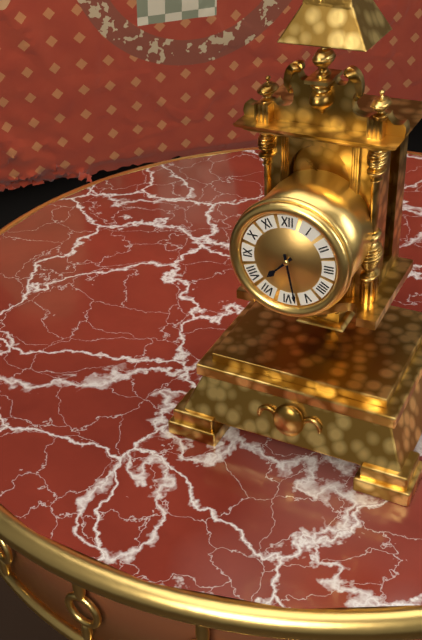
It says 7:28
